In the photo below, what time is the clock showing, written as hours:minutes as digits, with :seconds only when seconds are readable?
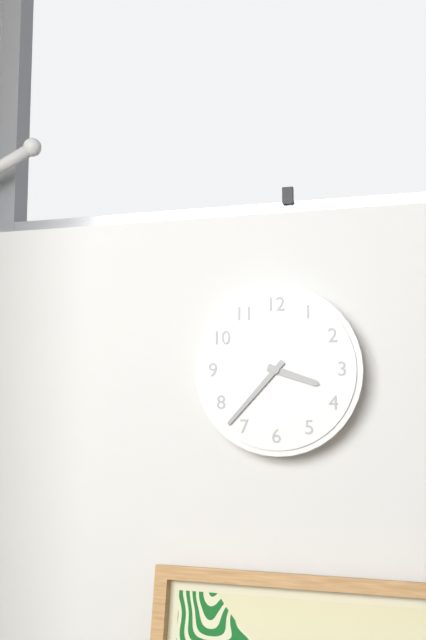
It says 3:37
